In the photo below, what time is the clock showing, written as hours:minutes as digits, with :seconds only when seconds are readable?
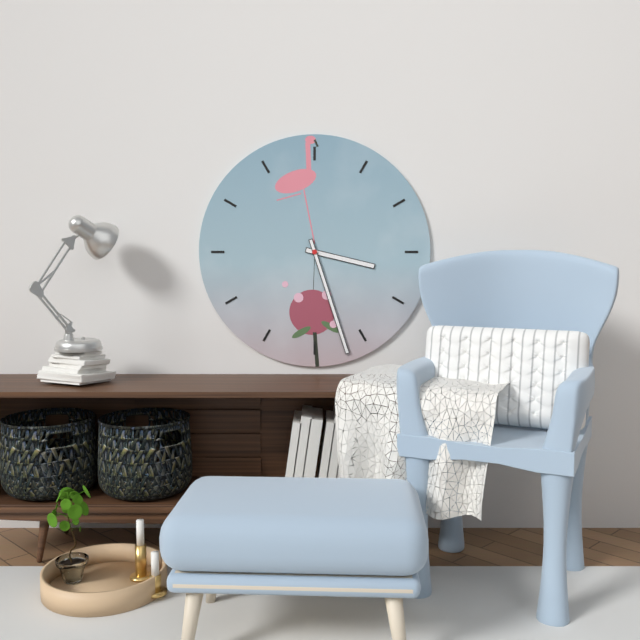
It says 3:27
